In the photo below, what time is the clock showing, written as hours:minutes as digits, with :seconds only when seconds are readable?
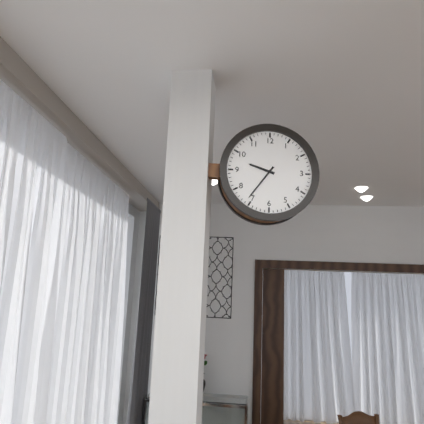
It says 9:36
